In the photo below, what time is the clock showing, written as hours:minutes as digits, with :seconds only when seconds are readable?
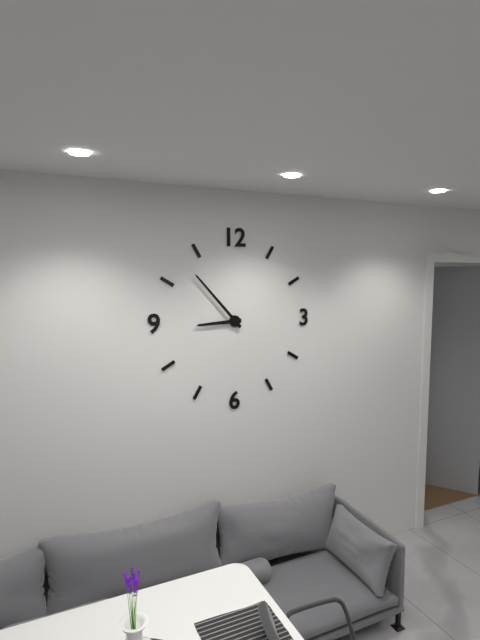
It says 8:53
